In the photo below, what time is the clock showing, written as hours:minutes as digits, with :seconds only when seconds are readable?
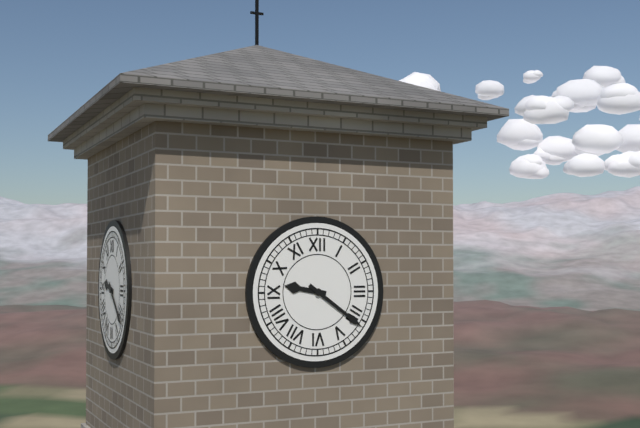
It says 9:21
